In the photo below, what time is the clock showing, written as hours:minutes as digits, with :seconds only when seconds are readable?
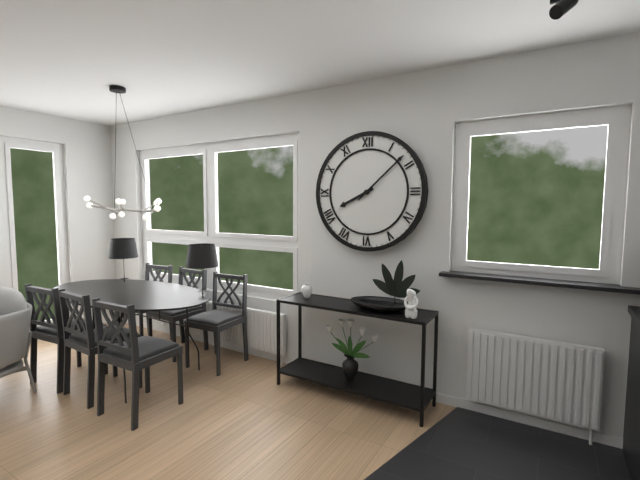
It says 8:08
